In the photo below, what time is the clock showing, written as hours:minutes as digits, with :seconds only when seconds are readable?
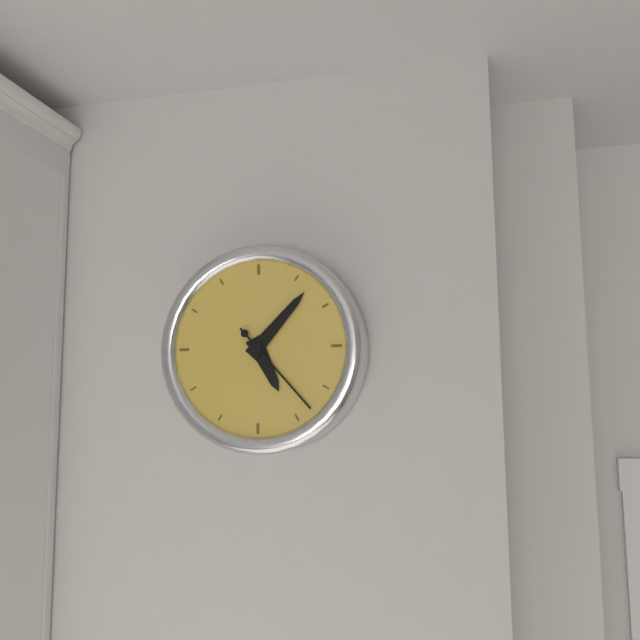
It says 5:07:23
